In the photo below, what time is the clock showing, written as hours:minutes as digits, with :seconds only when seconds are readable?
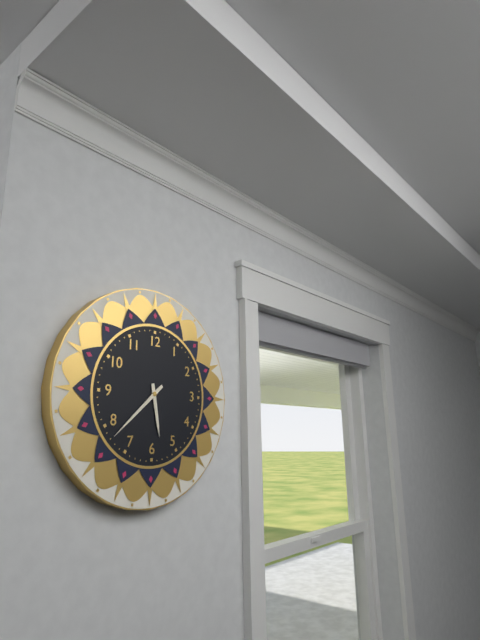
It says 5:38
